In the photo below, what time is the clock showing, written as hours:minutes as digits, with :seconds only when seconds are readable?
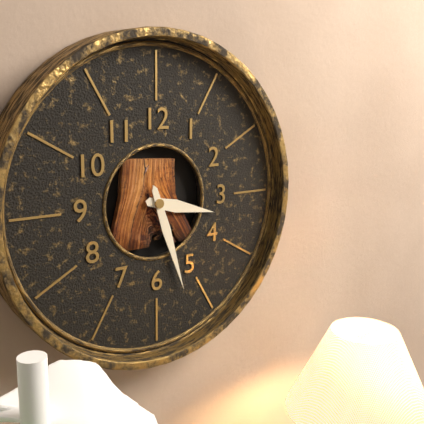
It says 3:27
